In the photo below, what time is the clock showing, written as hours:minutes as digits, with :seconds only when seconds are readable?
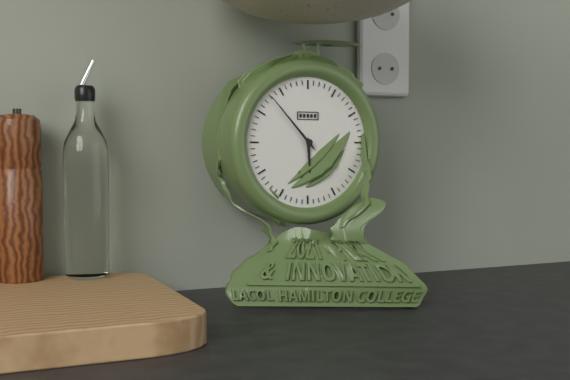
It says 5:53
